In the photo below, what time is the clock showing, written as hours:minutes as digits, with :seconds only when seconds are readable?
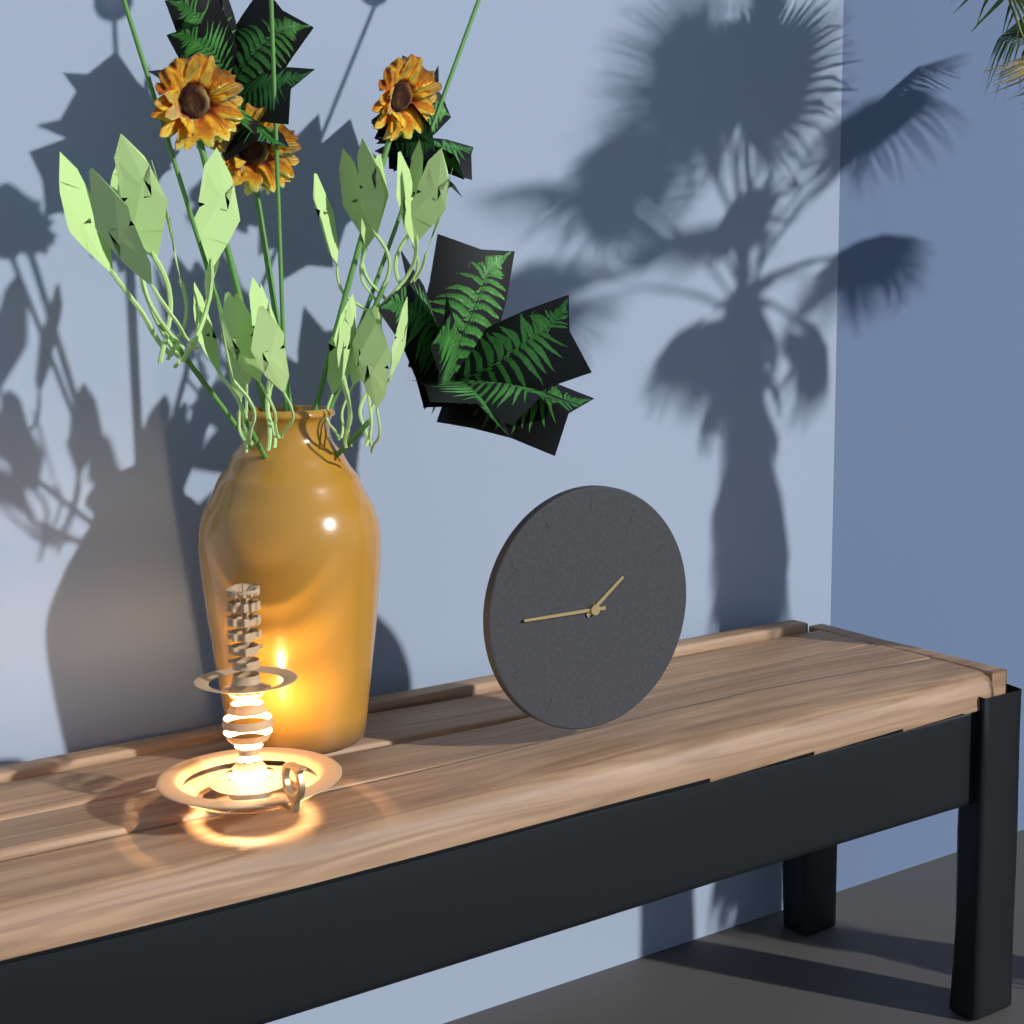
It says 1:45
